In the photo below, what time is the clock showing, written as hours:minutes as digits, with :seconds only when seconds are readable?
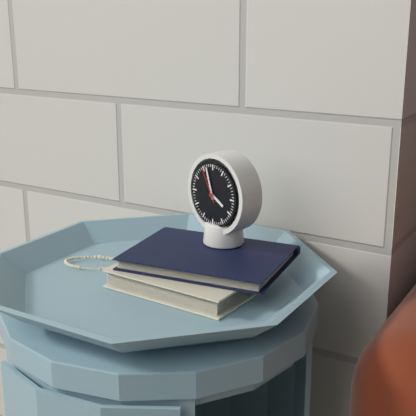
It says 3:57
